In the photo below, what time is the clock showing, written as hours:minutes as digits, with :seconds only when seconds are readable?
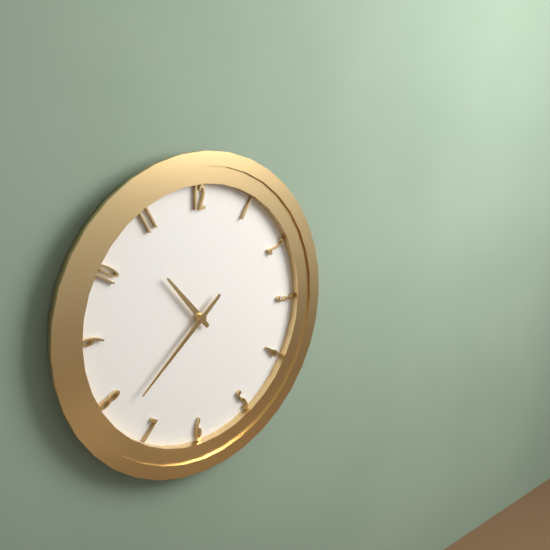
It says 10:38
